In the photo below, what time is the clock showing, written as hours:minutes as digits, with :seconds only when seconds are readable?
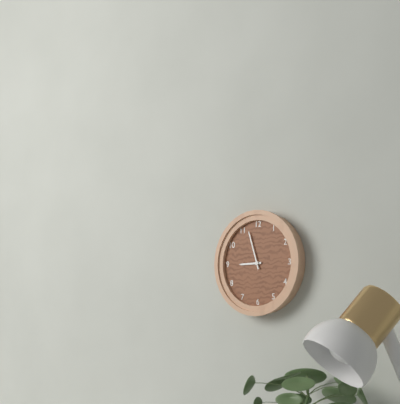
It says 8:57
